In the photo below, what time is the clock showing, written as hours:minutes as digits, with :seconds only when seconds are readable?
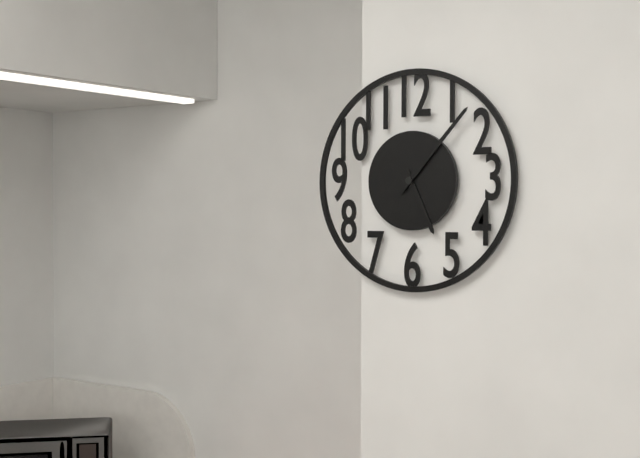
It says 5:07
